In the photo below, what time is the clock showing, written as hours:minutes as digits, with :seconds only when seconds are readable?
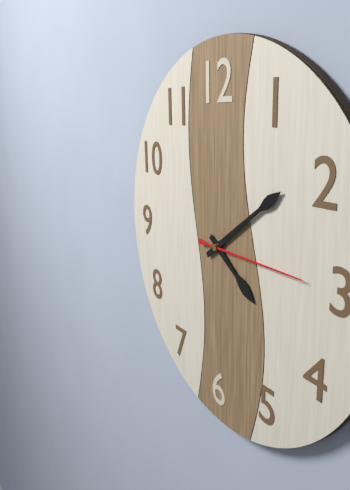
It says 4:09:15
